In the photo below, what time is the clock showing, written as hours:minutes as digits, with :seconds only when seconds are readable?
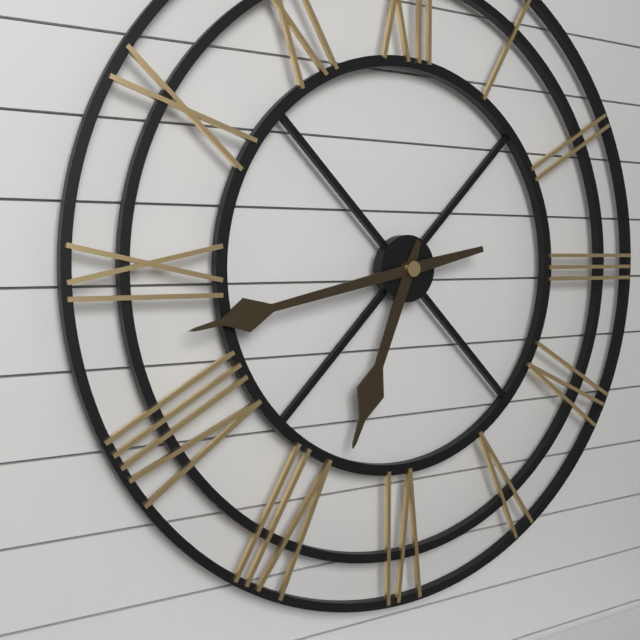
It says 6:43
